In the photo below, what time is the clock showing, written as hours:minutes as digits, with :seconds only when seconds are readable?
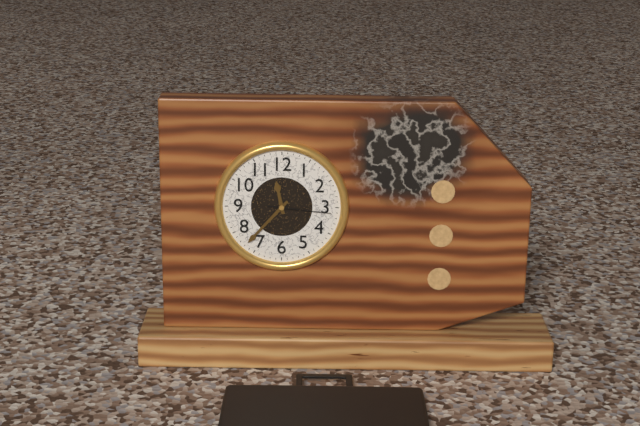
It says 11:37:16
